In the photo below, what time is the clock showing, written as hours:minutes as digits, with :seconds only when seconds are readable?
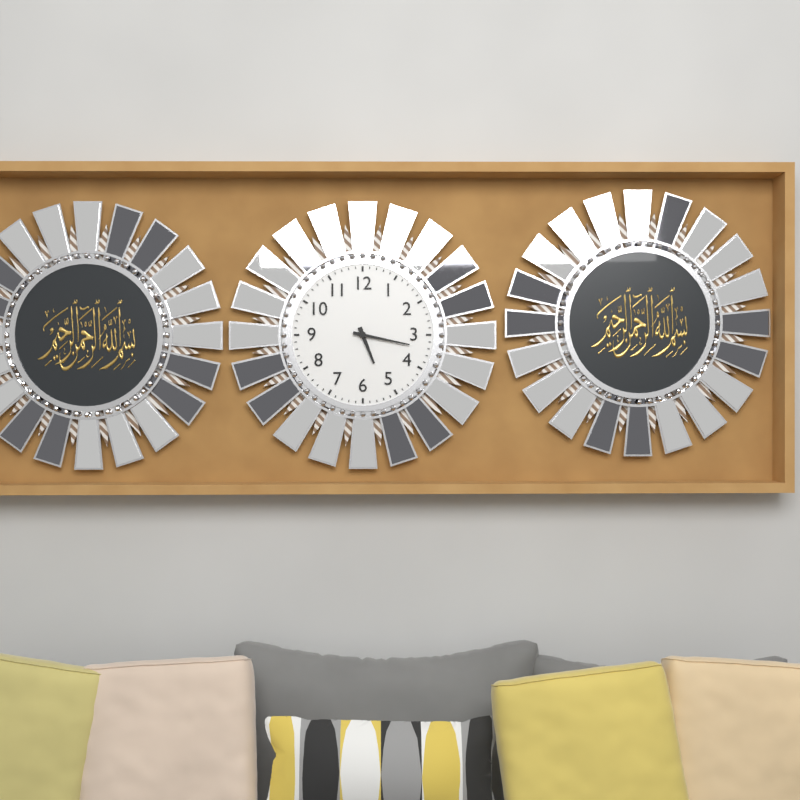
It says 5:17
